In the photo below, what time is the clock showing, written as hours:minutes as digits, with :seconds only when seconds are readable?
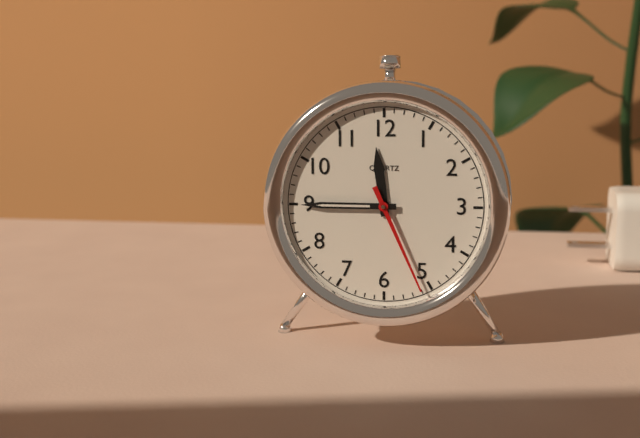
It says 11:45:26
